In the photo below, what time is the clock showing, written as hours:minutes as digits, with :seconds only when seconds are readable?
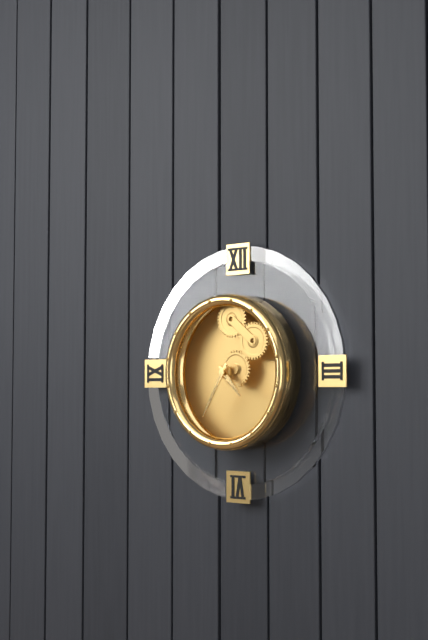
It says 4:35
